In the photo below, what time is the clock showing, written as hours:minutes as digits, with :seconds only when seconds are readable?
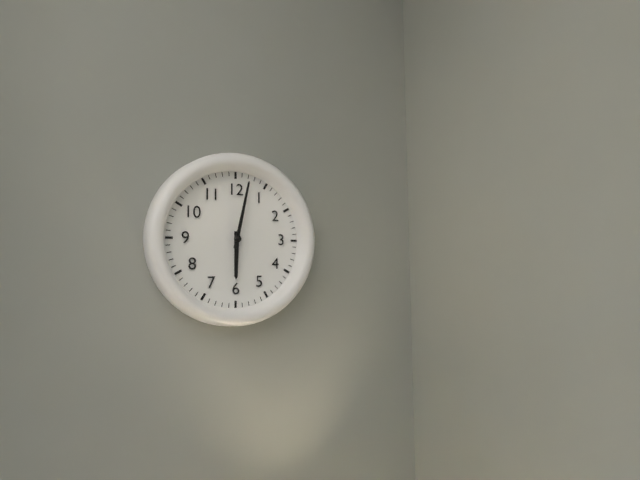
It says 6:02
